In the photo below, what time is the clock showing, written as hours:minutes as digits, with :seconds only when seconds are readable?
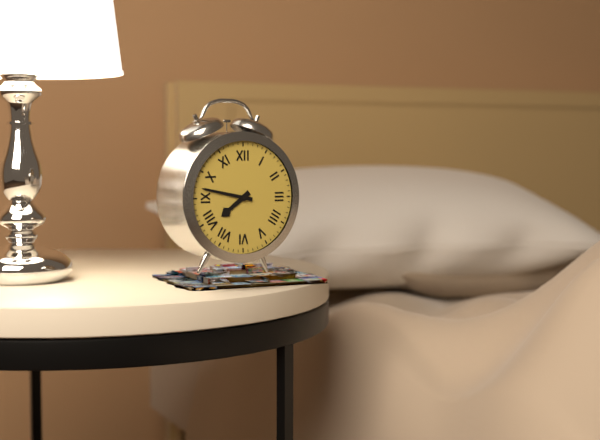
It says 7:47
